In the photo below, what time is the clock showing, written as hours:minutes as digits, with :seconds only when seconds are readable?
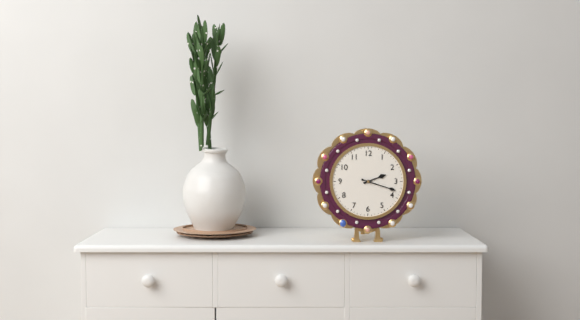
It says 2:18
